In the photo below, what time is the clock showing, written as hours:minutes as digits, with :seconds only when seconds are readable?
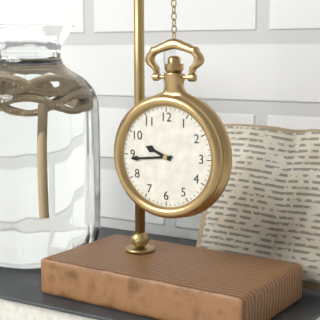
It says 9:44
